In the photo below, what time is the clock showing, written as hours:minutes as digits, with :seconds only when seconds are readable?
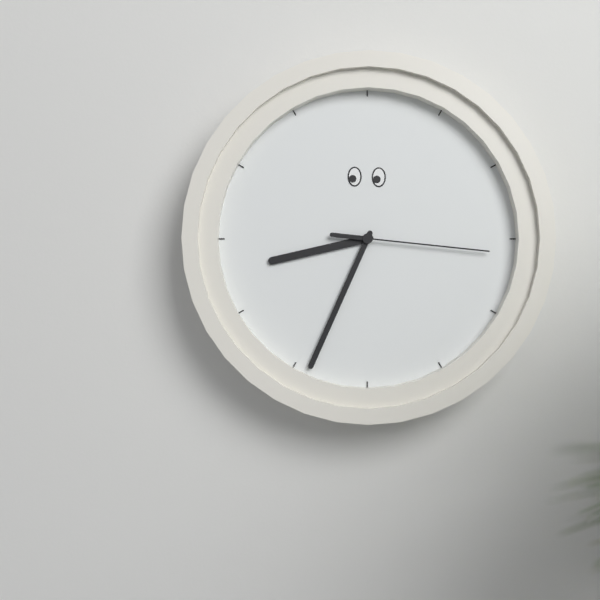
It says 8:34:16
